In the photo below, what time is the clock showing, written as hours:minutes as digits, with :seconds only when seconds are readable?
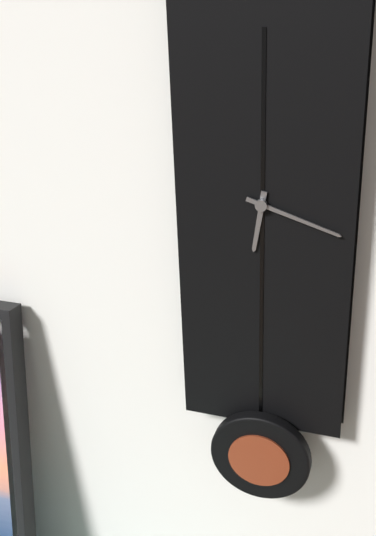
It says 6:18
